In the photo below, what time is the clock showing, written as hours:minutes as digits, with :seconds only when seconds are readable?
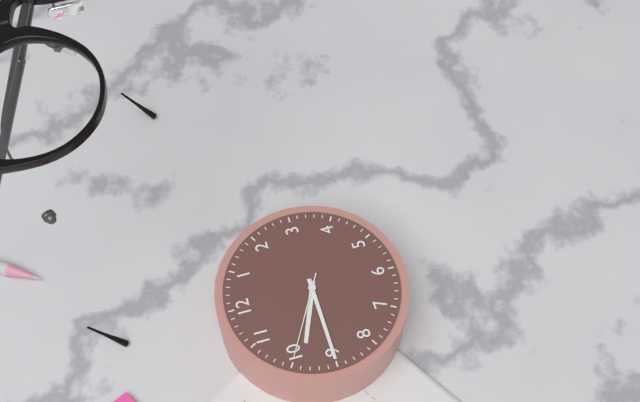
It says 9:45:50
